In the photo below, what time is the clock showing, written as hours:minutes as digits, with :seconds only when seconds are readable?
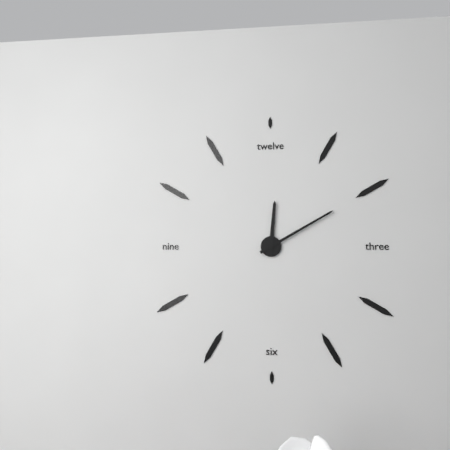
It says 12:10
